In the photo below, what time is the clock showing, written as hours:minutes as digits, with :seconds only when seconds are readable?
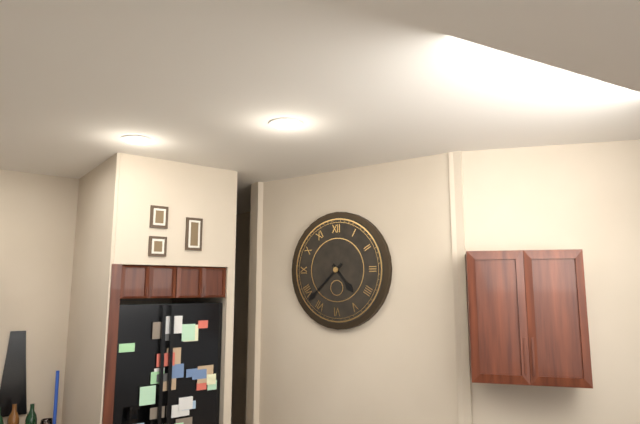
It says 4:38
